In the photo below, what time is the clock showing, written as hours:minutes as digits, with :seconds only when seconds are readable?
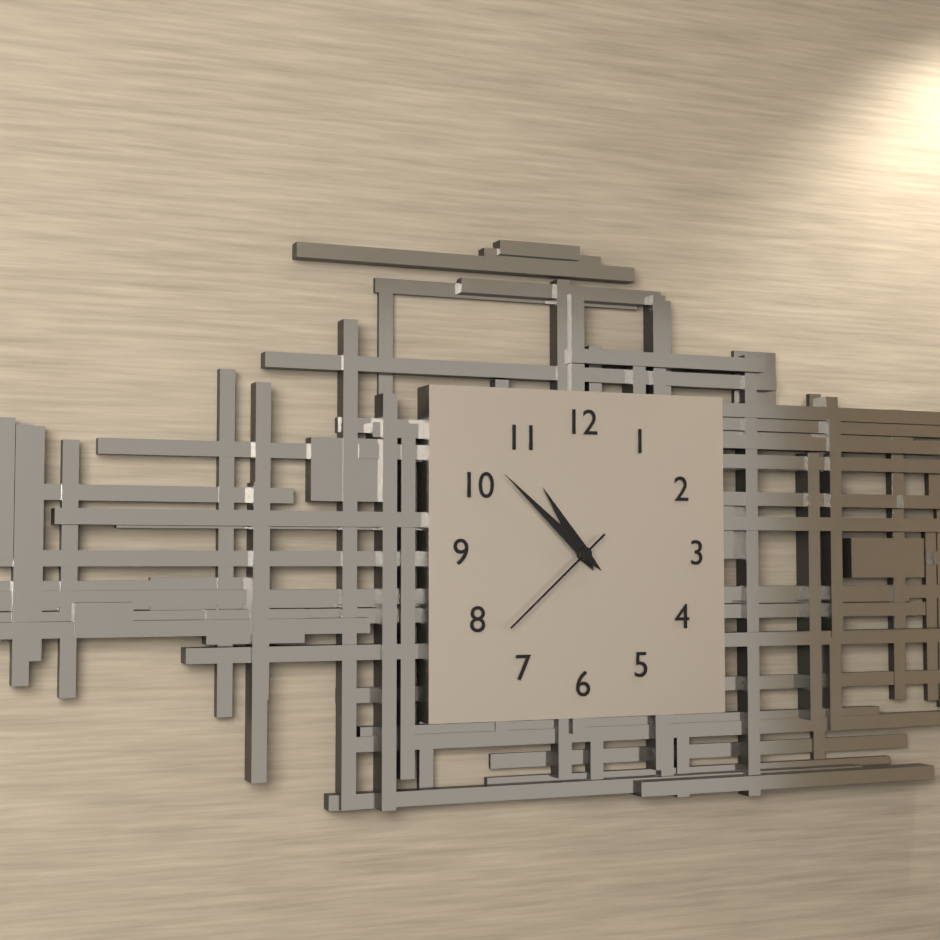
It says 10:52:38
